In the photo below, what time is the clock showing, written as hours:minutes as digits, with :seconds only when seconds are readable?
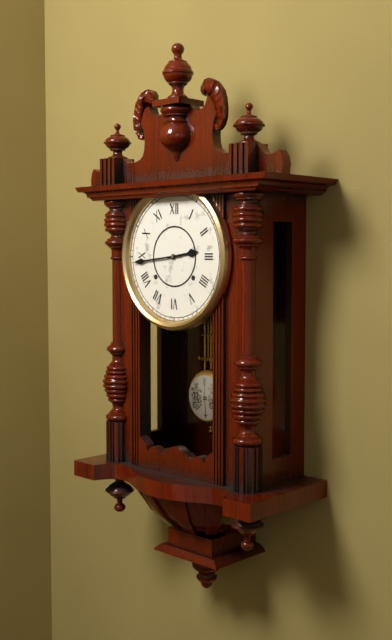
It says 2:44
